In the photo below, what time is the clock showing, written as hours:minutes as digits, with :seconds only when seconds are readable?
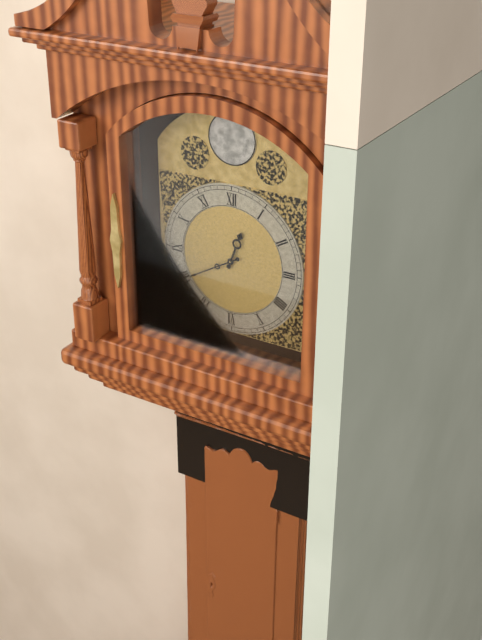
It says 12:40
